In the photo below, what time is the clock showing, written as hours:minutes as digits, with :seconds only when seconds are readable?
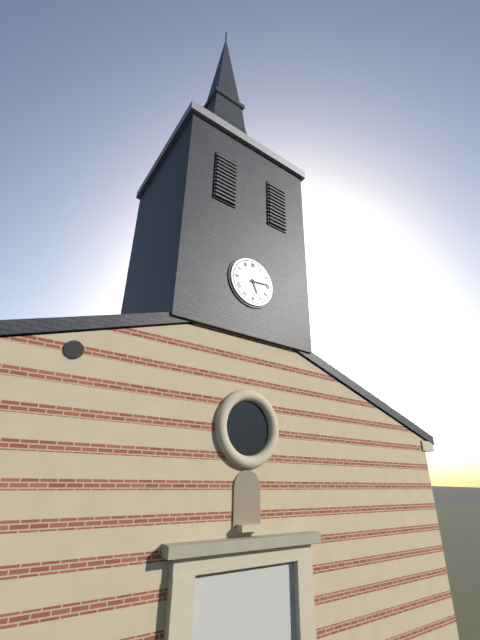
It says 5:14
